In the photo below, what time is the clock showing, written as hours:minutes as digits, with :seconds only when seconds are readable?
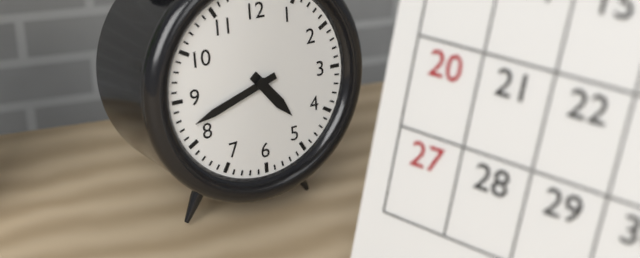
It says 4:42
